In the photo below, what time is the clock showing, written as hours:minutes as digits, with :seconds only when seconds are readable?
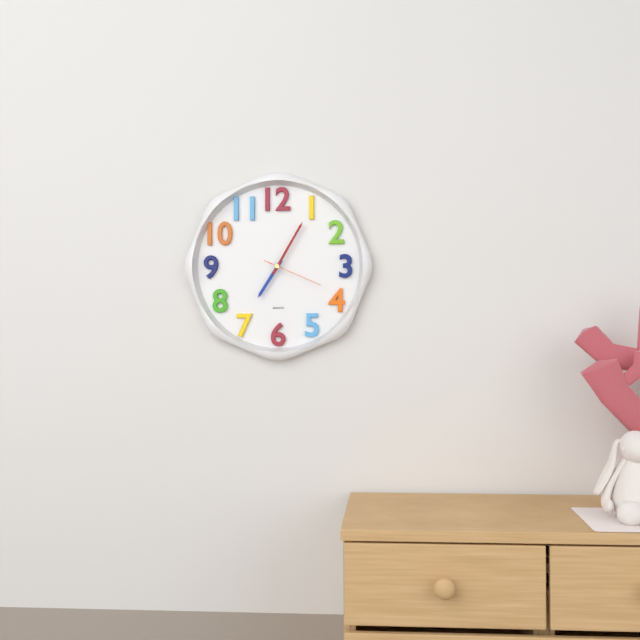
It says 7:05:19
